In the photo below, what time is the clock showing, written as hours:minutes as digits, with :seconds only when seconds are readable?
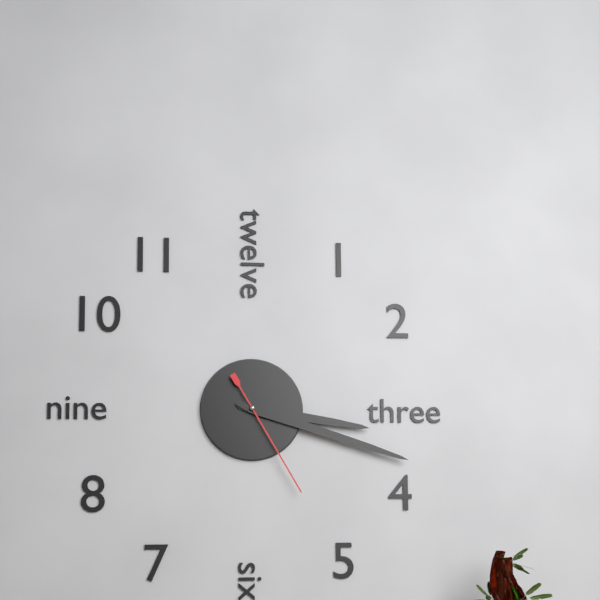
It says 3:18:25
